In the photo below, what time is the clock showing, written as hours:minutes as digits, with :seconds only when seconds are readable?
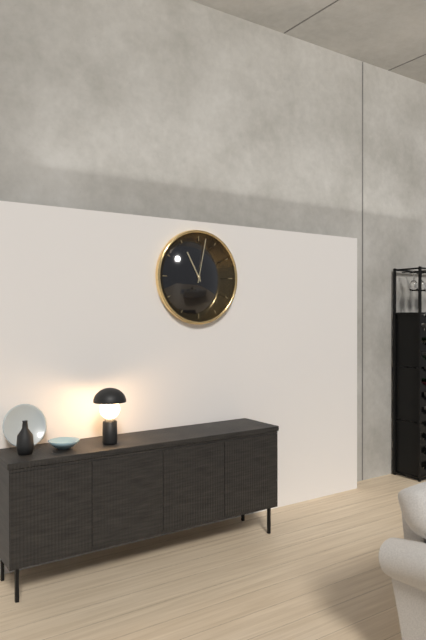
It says 11:02
